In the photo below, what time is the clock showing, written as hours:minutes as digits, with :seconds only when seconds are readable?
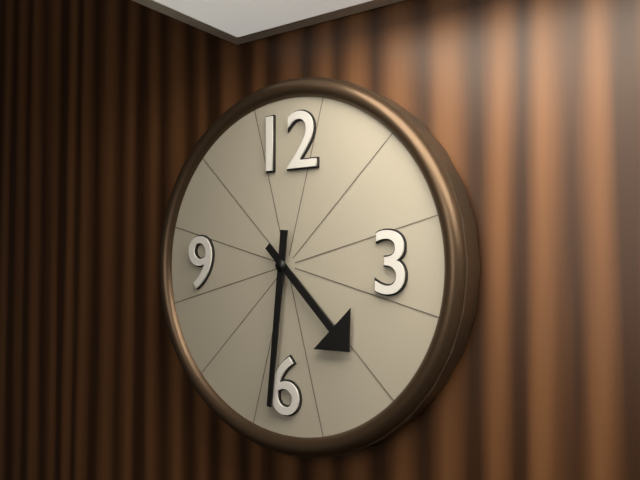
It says 4:31
